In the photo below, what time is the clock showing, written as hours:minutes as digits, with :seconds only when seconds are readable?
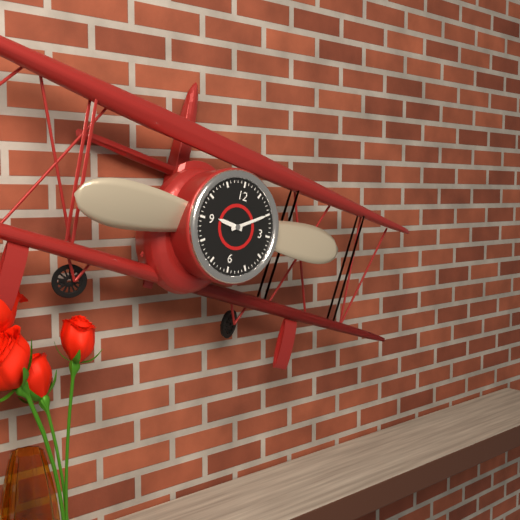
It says 9:10
